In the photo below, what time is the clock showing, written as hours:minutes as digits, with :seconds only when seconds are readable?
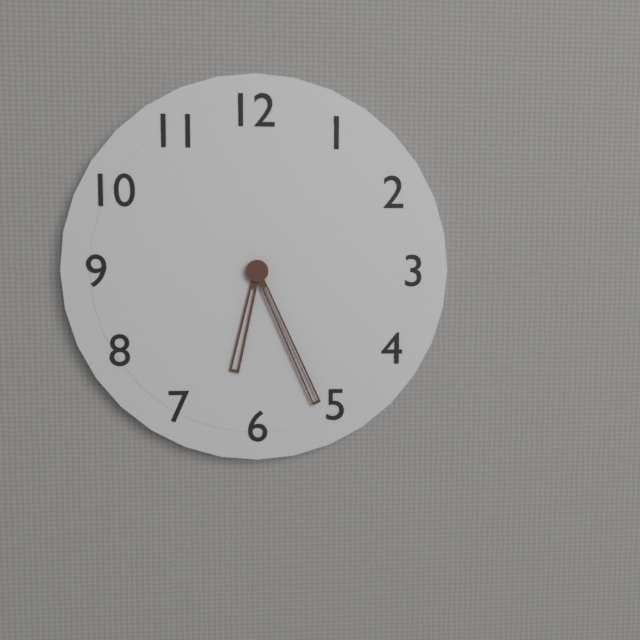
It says 6:26
